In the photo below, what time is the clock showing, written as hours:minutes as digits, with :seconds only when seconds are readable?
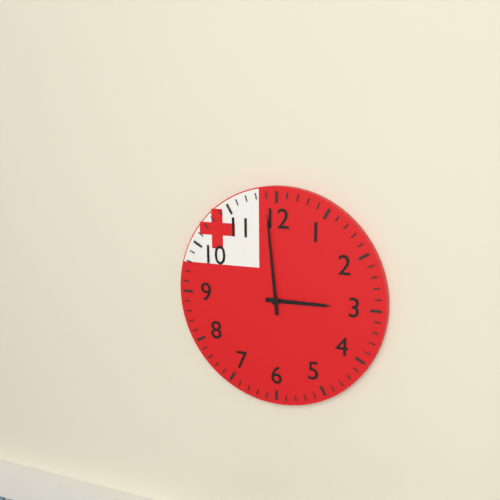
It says 2:59
